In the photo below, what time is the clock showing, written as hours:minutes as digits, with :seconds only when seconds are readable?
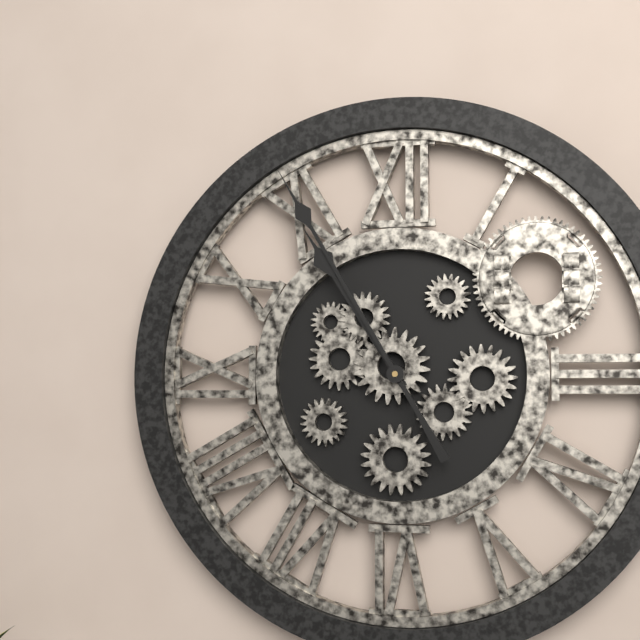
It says 10:55
